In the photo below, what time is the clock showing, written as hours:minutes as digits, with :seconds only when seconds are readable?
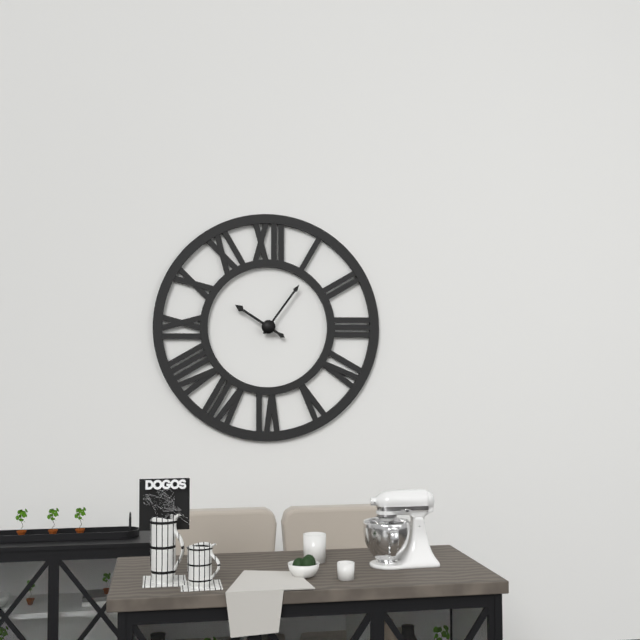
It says 10:06
